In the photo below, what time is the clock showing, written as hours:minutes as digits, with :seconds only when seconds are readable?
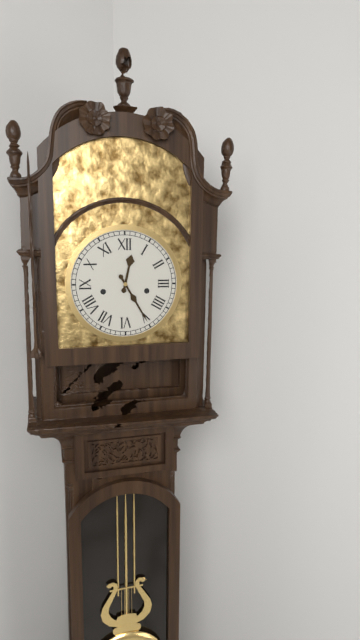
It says 12:25
